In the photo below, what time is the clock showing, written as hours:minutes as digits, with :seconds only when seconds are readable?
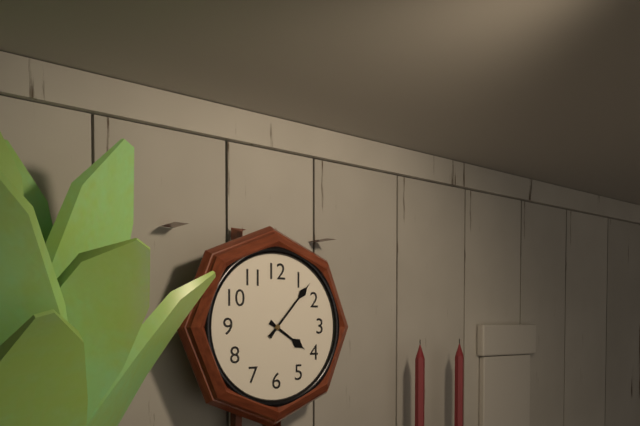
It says 4:07
